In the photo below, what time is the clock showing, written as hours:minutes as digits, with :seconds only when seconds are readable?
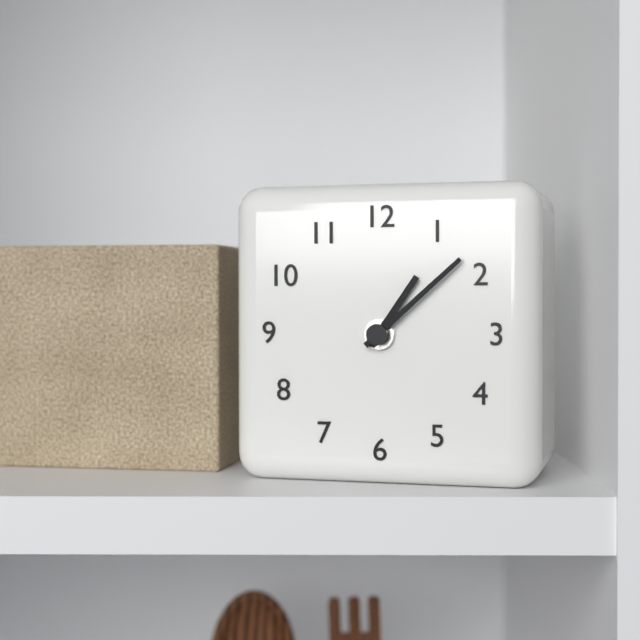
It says 1:08
